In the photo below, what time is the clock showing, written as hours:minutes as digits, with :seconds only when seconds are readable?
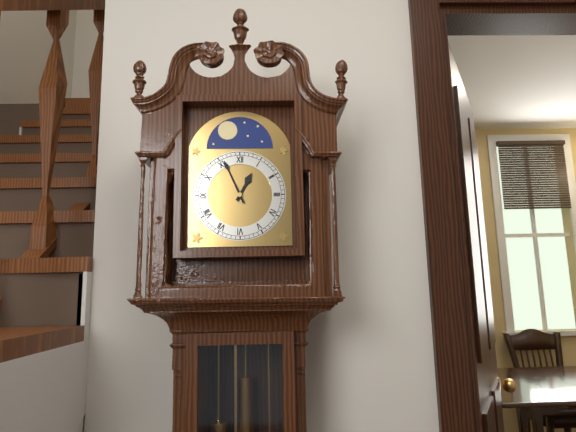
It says 12:56
